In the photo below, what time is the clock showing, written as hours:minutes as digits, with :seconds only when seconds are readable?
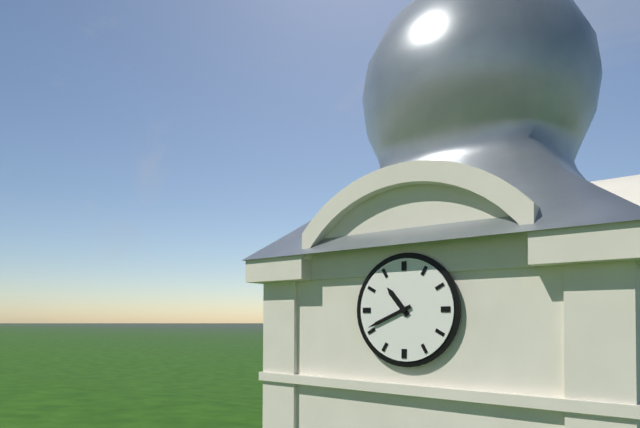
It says 10:41
